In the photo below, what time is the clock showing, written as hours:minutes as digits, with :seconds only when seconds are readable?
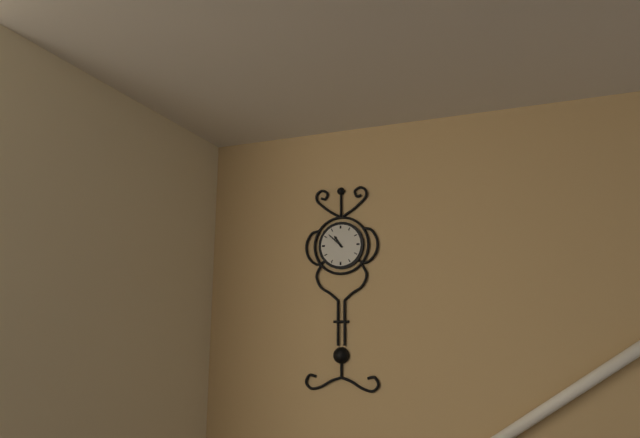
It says 10:52
